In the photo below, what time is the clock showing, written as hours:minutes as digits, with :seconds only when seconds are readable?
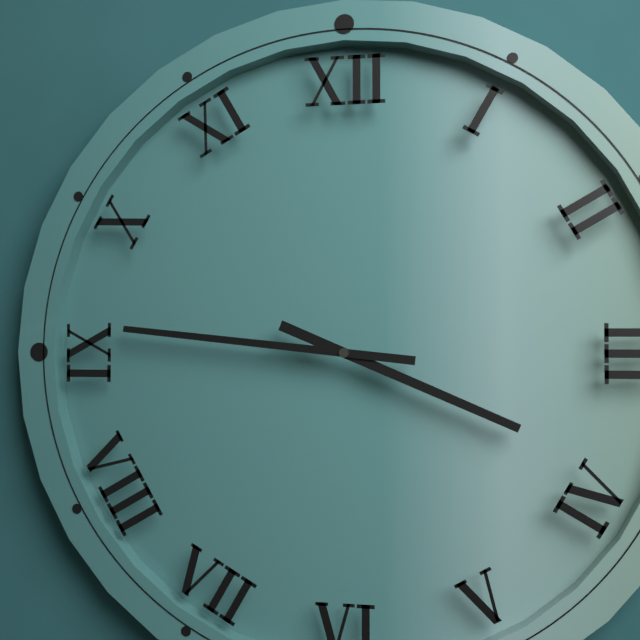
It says 3:46
